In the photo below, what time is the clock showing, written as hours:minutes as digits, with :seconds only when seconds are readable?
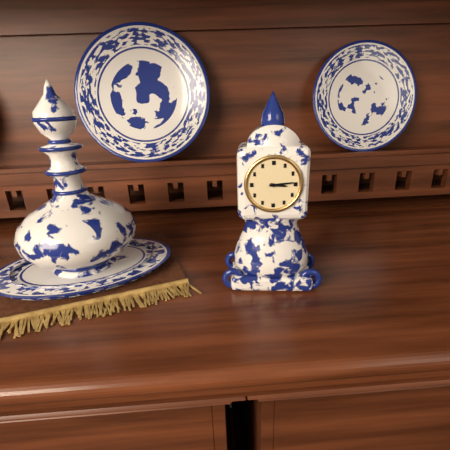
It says 3:14
